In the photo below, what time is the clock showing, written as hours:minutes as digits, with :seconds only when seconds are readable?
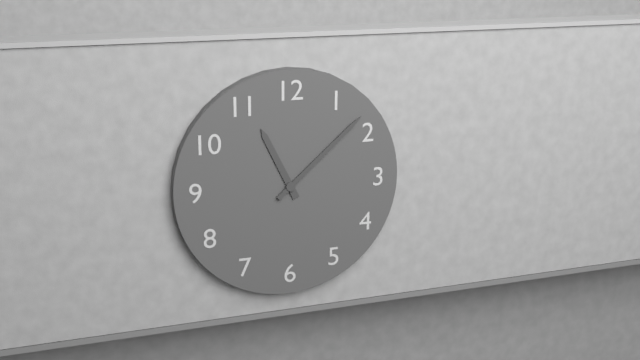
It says 11:08
